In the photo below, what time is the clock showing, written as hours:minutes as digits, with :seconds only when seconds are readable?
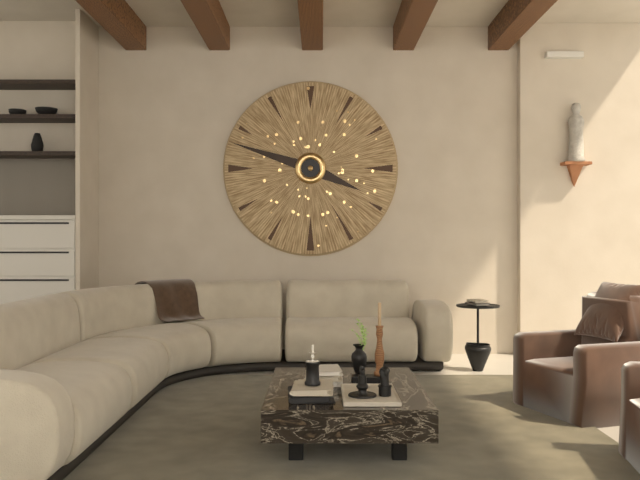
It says 3:48
